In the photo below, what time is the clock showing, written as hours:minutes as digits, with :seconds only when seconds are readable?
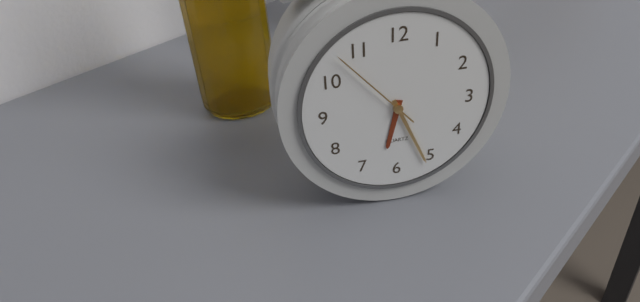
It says 6:26:53
